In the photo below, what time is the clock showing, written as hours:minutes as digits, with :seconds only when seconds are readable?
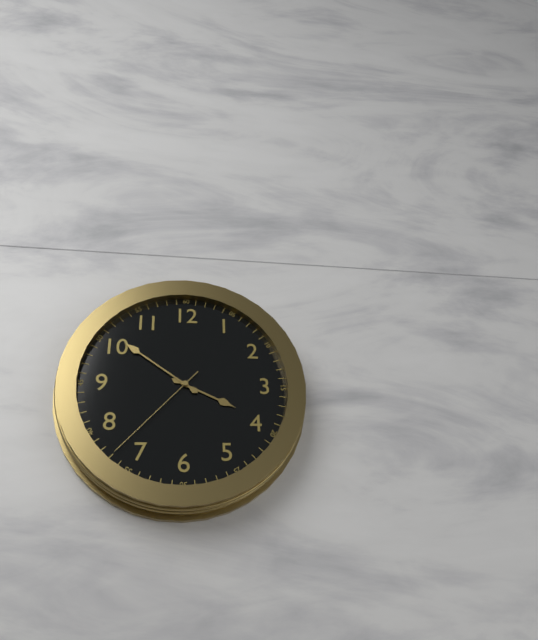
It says 3:51:37
